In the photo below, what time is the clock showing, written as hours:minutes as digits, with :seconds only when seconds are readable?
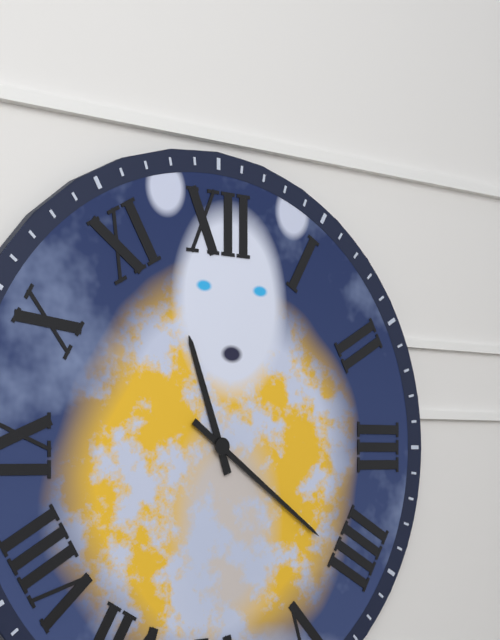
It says 11:21
